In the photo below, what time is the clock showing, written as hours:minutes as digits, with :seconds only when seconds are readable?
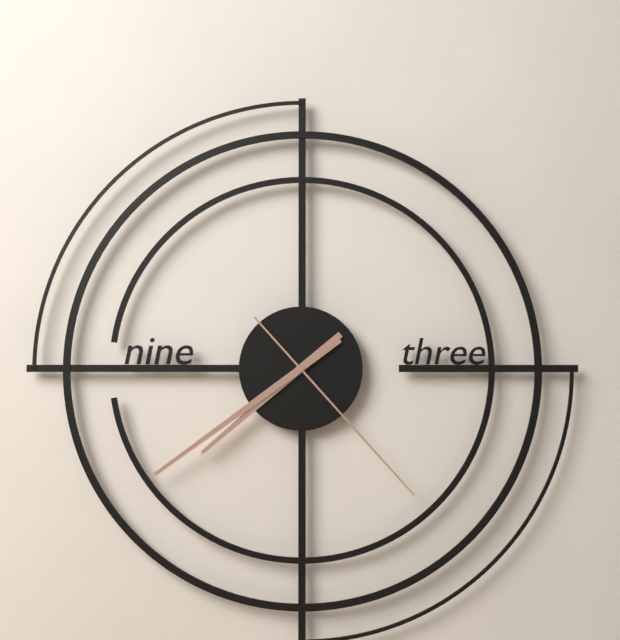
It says 7:39:23
